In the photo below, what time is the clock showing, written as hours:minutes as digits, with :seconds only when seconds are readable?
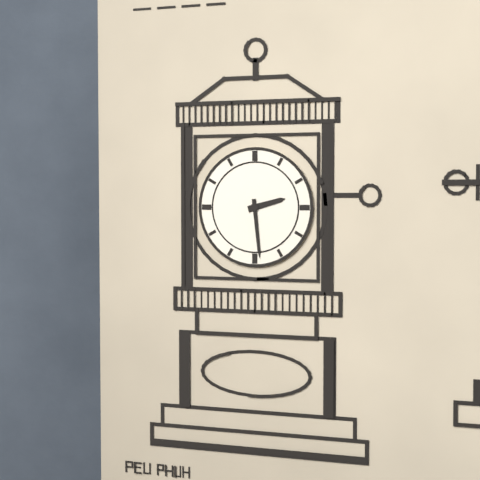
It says 2:29
